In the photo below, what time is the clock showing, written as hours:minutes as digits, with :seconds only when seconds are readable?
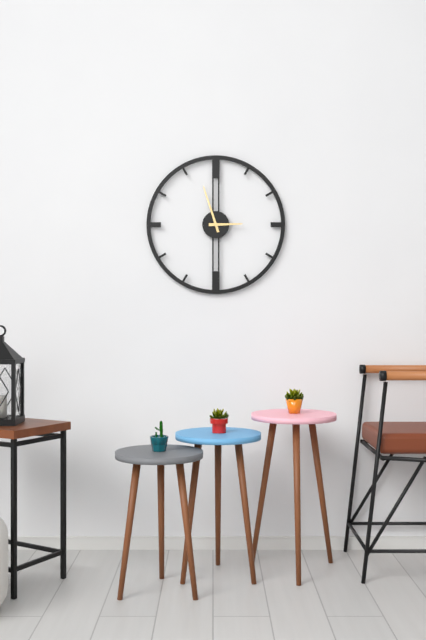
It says 2:57
